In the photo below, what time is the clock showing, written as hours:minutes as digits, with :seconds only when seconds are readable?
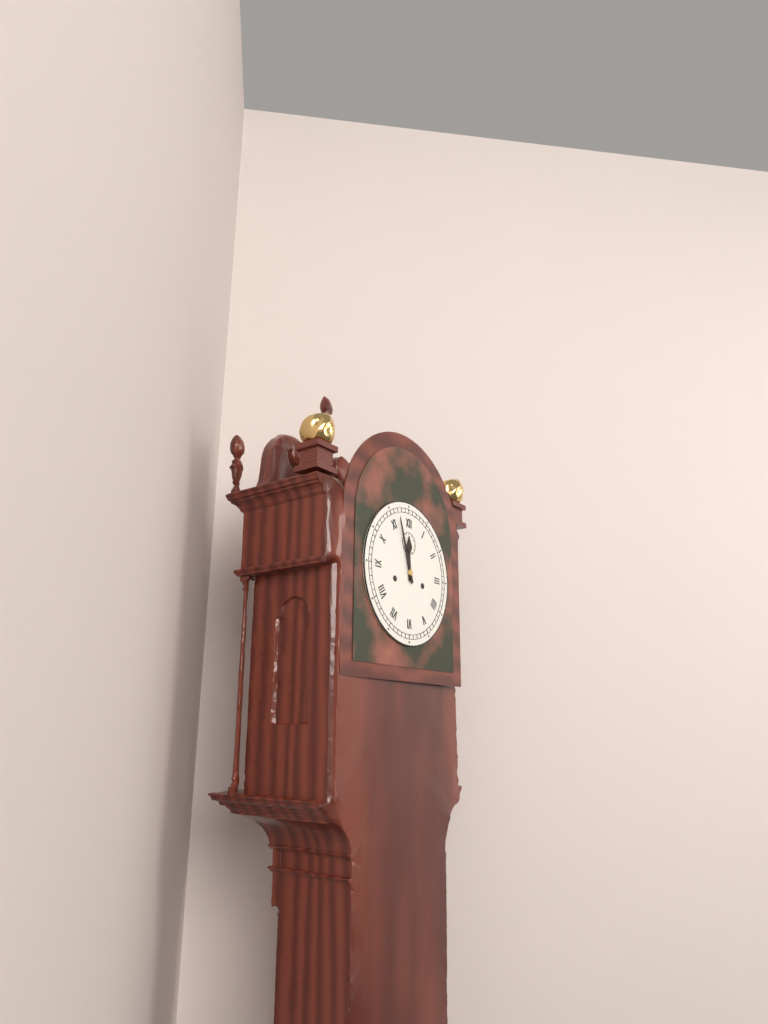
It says 11:57
